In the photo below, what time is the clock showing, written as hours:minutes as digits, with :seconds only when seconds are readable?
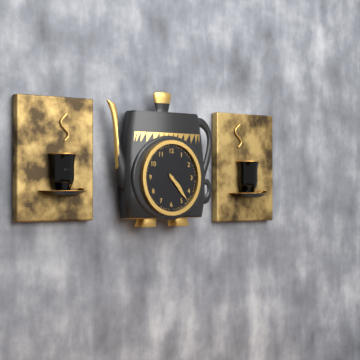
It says 4:23
